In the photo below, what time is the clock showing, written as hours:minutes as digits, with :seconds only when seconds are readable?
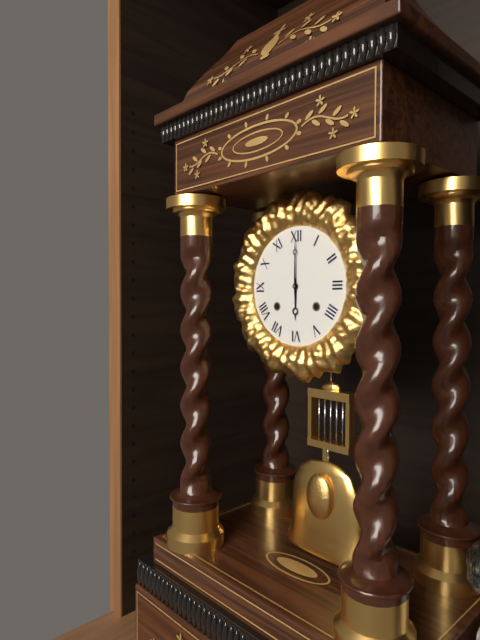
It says 6:00
